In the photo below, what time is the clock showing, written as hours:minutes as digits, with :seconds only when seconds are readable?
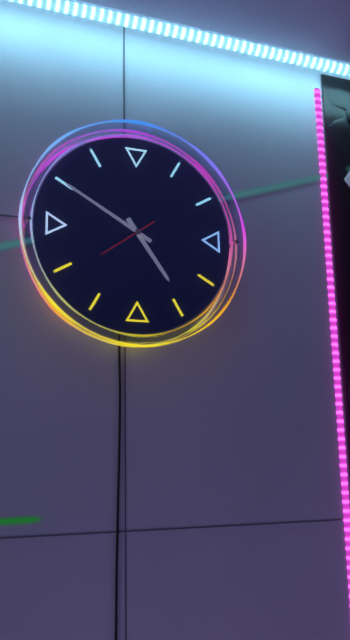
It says 4:50:39
